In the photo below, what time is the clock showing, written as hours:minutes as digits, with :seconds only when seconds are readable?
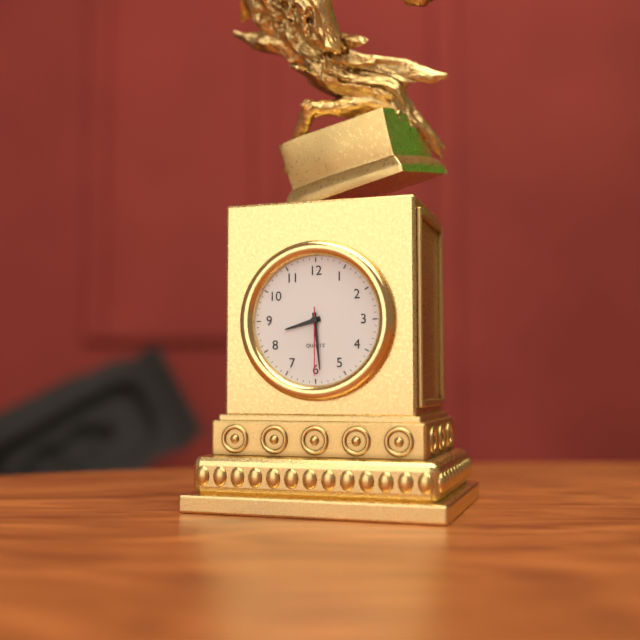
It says 8:29:30
